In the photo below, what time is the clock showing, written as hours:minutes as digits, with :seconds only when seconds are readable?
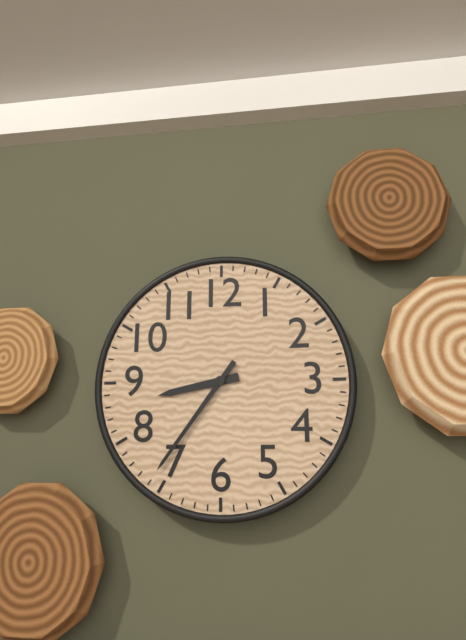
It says 8:36
